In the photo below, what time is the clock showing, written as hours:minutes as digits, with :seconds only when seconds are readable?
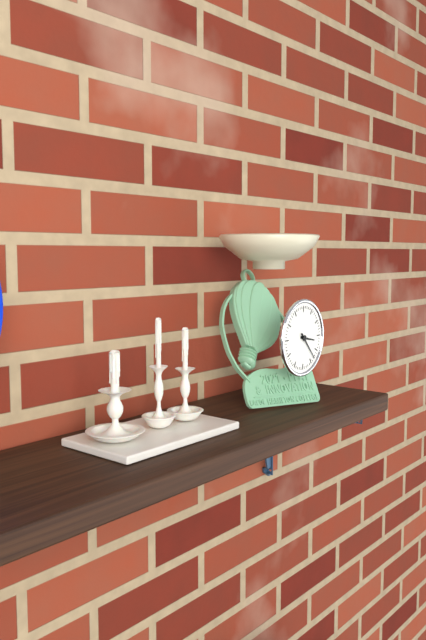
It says 3:23
